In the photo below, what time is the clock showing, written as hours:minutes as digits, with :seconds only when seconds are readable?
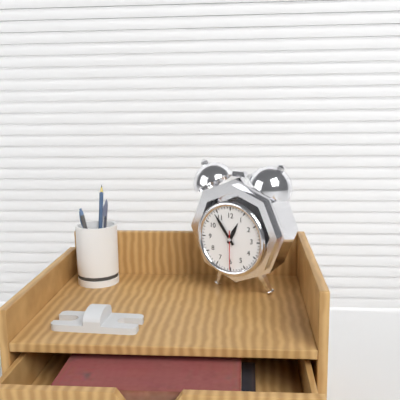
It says 12:54
